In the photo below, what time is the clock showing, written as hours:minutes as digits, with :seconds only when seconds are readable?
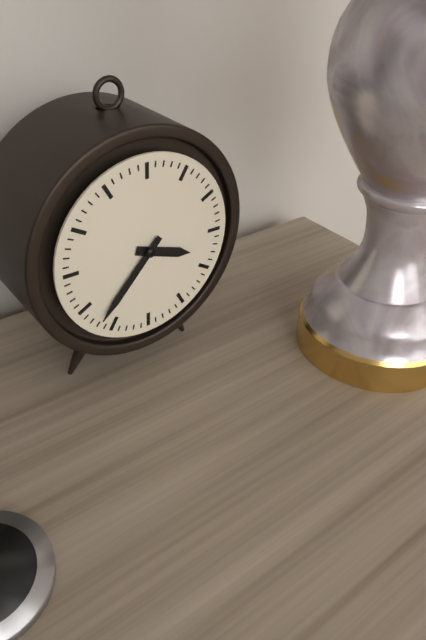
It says 3:37
